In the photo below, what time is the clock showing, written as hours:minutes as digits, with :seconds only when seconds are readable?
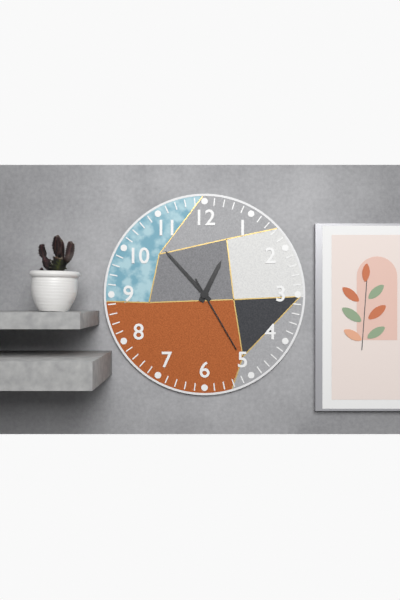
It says 12:53:25
